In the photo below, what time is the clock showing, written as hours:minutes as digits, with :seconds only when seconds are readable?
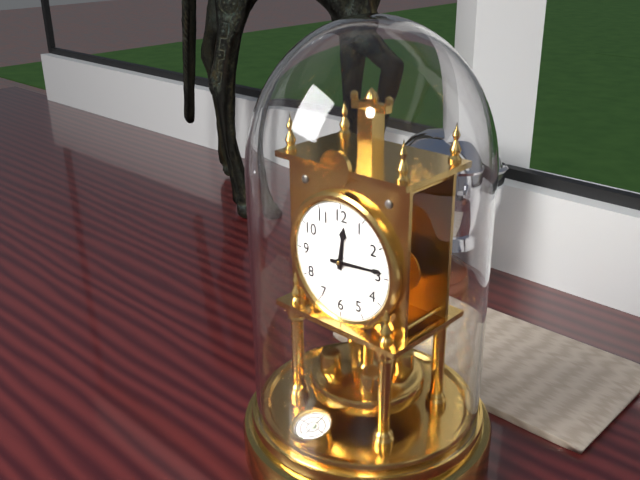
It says 12:14
